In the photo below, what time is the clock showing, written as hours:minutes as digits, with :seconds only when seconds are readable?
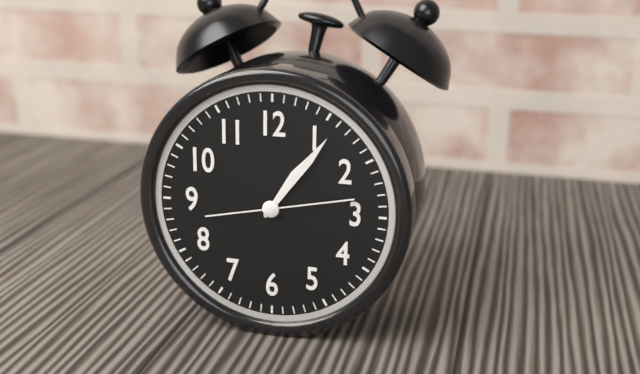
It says 1:06:13
